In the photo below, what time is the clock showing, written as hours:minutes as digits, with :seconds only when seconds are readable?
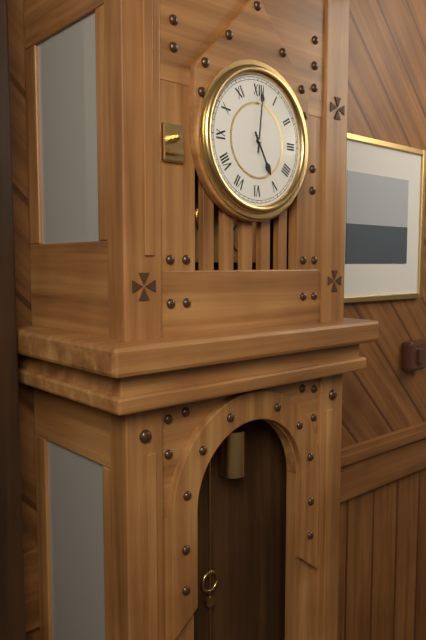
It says 5:01
